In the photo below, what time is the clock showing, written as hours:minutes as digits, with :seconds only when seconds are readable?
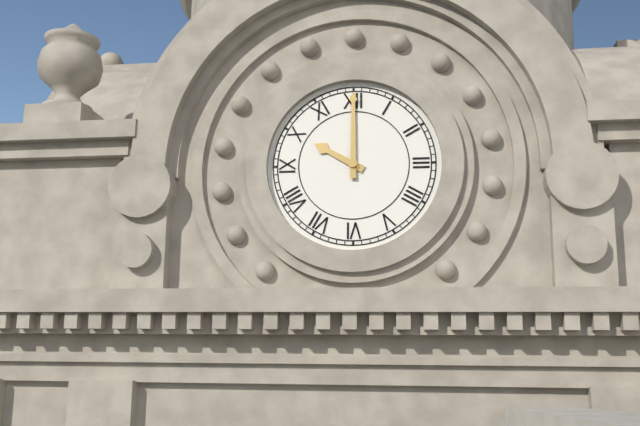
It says 10:00
